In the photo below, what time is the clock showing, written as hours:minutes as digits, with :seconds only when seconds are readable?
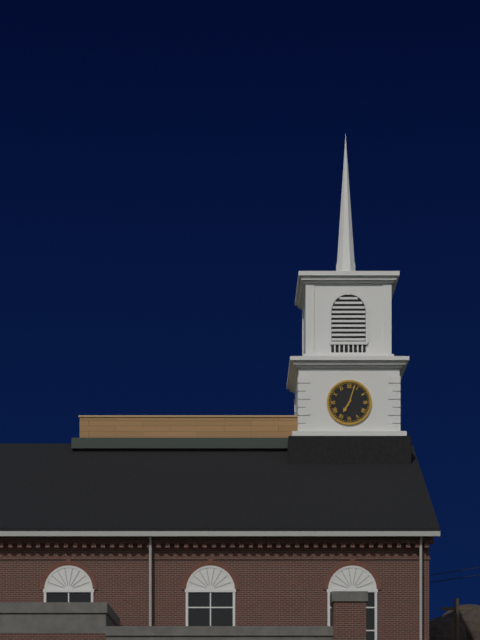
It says 7:03
